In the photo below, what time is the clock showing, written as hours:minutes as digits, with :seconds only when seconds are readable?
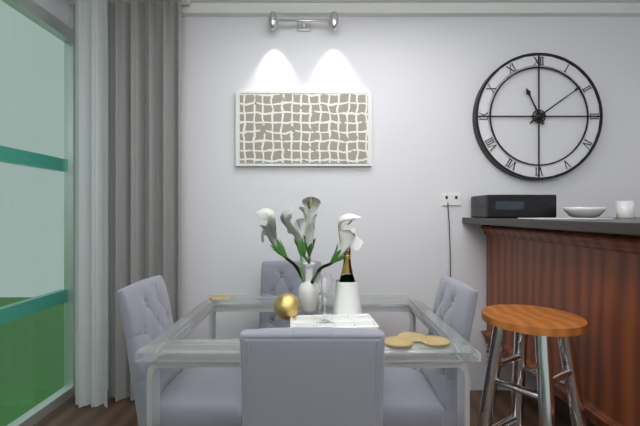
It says 11:09
